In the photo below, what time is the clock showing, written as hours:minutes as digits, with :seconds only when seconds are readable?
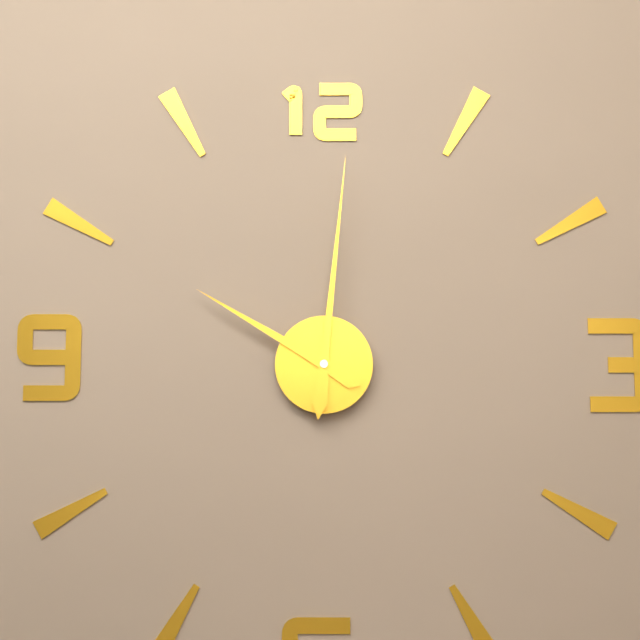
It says 10:01
